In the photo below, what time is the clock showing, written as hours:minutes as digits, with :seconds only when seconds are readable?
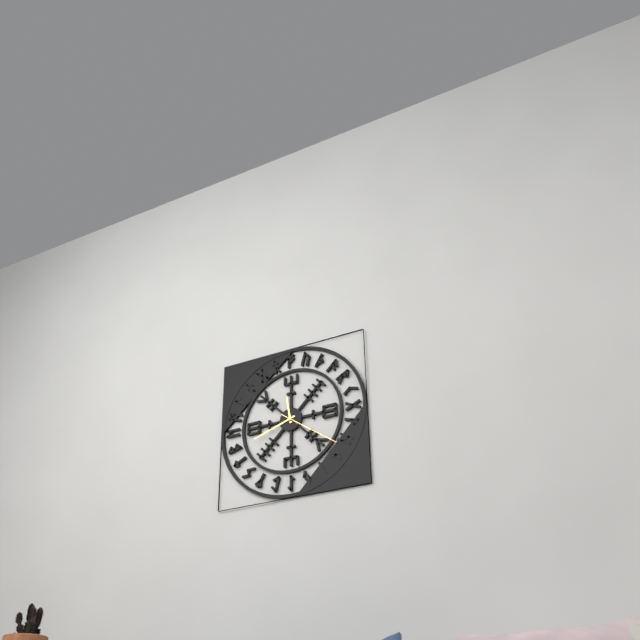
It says 11:42:21
